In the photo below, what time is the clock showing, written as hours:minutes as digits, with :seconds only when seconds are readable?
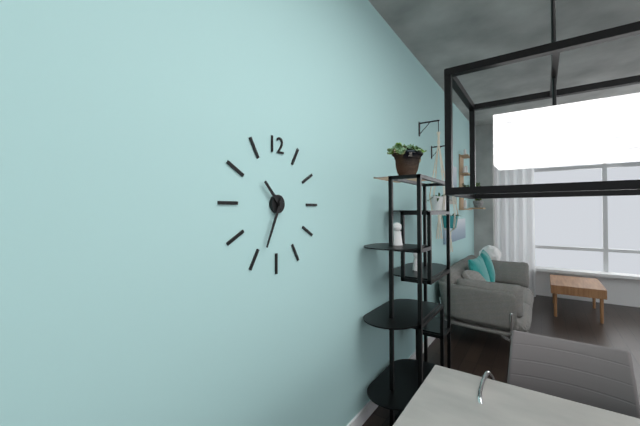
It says 10:34
